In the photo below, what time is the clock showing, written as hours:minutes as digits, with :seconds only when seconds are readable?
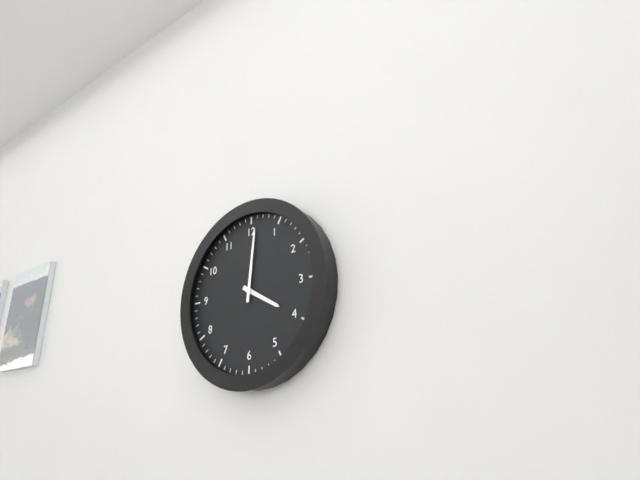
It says 4:01
